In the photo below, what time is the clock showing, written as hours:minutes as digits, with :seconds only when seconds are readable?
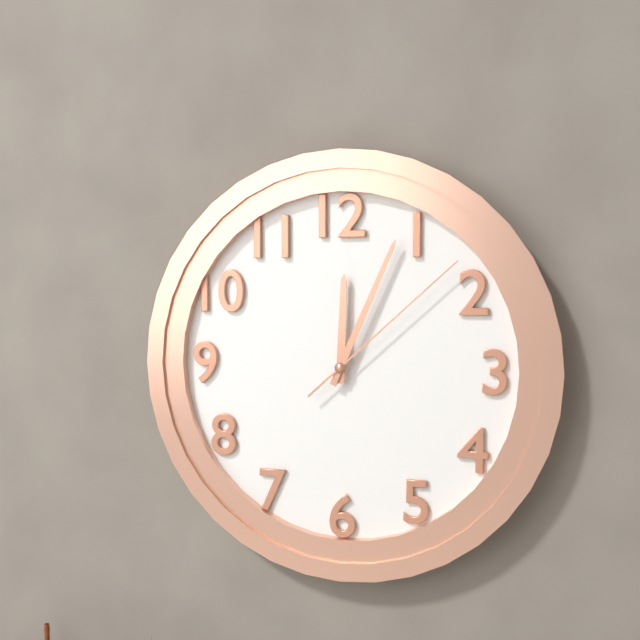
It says 12:04:08
